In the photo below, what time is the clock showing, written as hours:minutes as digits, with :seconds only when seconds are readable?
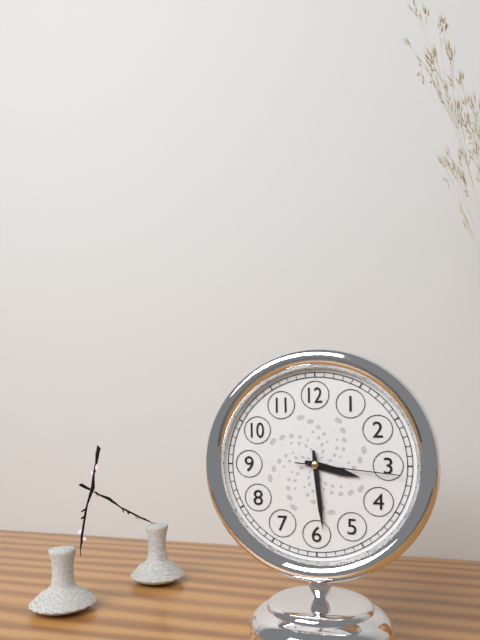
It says 3:29:16
